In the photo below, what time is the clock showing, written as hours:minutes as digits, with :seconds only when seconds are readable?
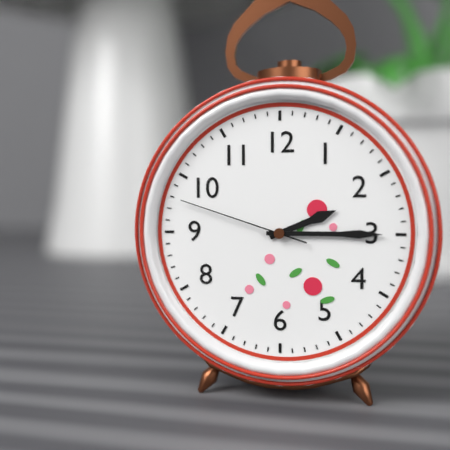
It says 2:15:48
